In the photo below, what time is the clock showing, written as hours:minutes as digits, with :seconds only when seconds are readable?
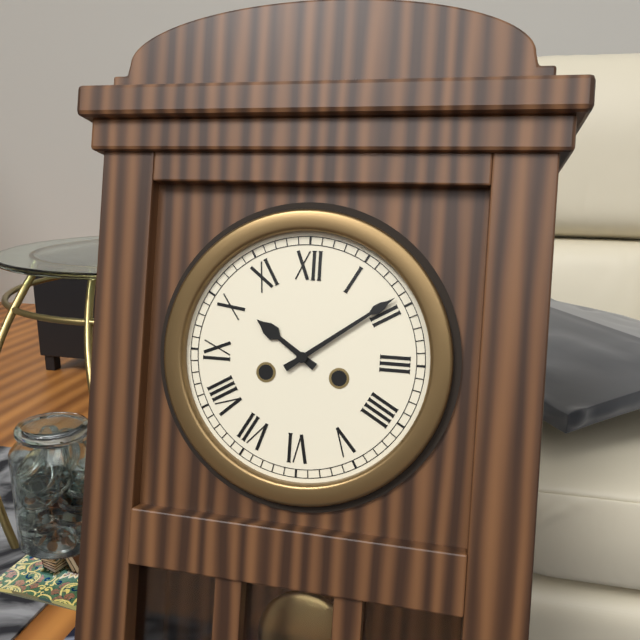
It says 10:09
